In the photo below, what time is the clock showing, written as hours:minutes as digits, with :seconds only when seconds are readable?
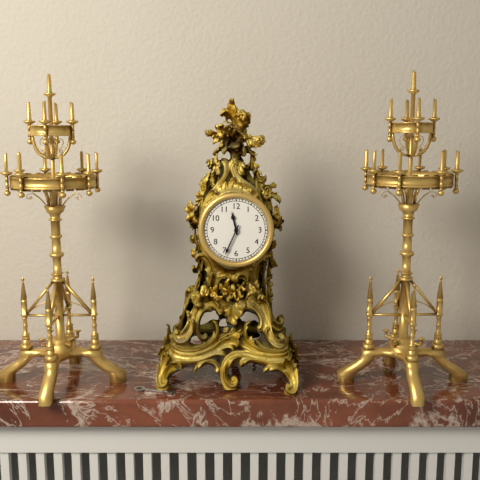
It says 11:34
